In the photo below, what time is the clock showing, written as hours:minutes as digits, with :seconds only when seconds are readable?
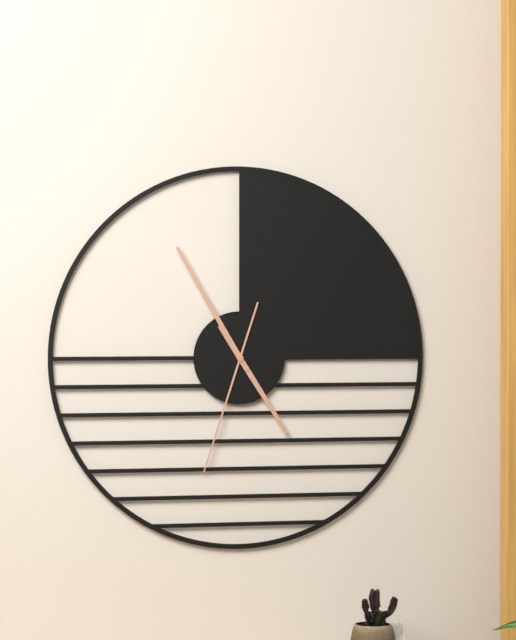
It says 4:55:33
